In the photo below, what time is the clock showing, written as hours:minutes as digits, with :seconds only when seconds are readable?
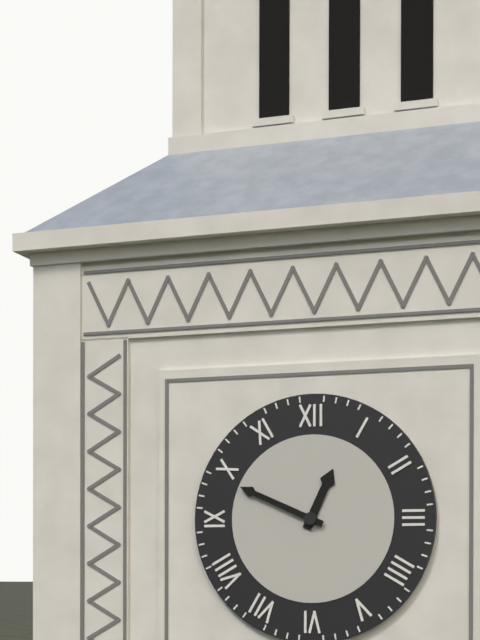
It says 12:49
